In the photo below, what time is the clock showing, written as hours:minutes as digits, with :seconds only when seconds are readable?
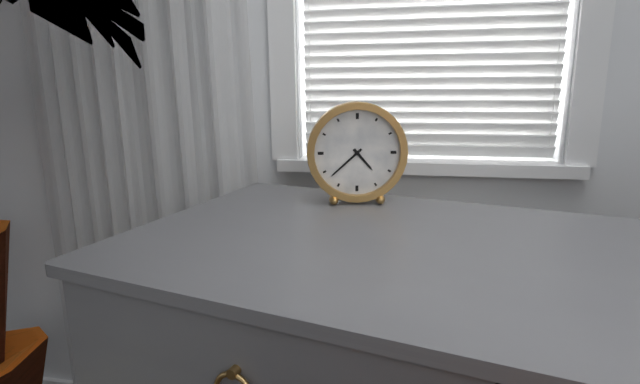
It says 4:38
